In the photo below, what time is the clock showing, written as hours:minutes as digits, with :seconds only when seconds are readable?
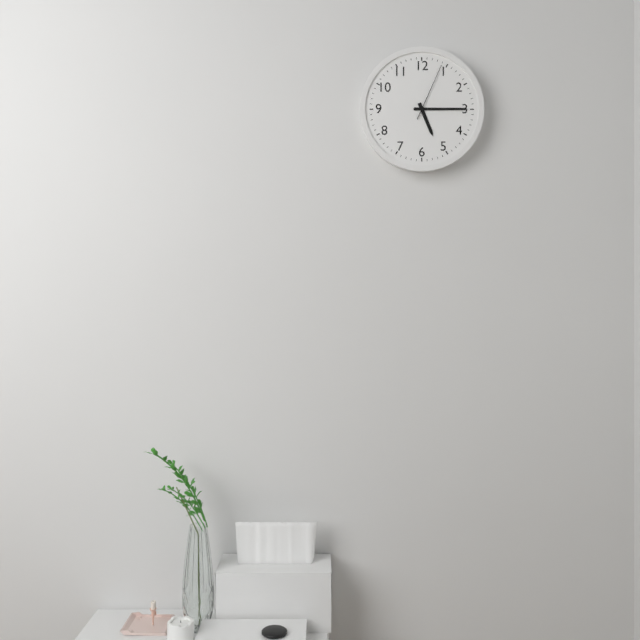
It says 5:15:04
